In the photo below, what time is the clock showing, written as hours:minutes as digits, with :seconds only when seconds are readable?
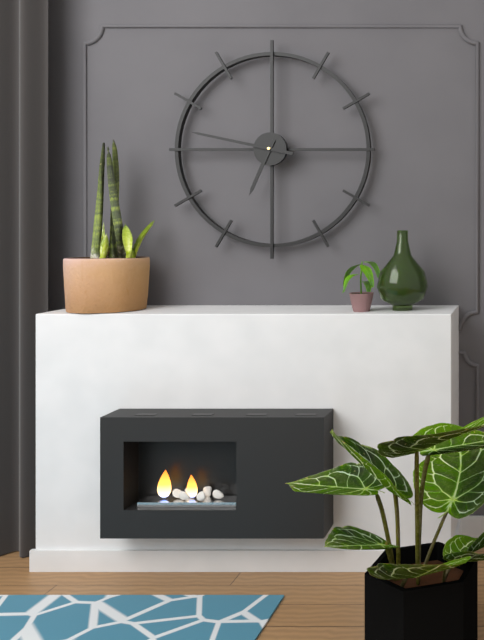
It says 6:47
